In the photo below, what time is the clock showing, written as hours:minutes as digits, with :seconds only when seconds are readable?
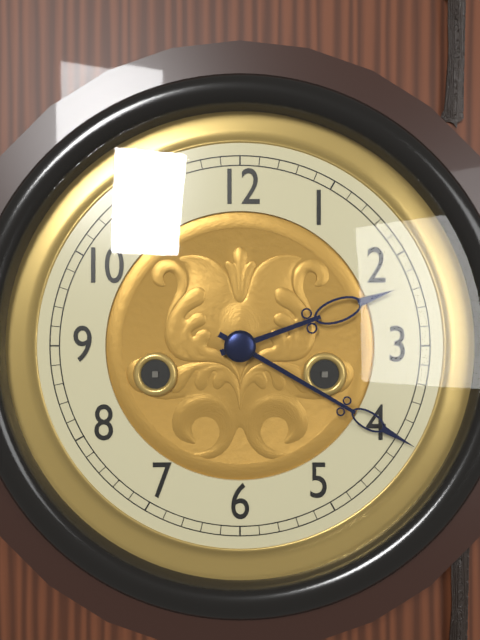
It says 2:20
